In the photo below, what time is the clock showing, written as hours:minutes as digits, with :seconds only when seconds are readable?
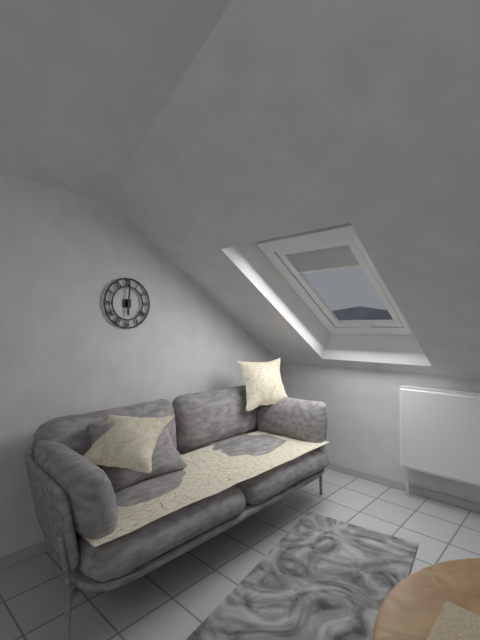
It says 6:01
